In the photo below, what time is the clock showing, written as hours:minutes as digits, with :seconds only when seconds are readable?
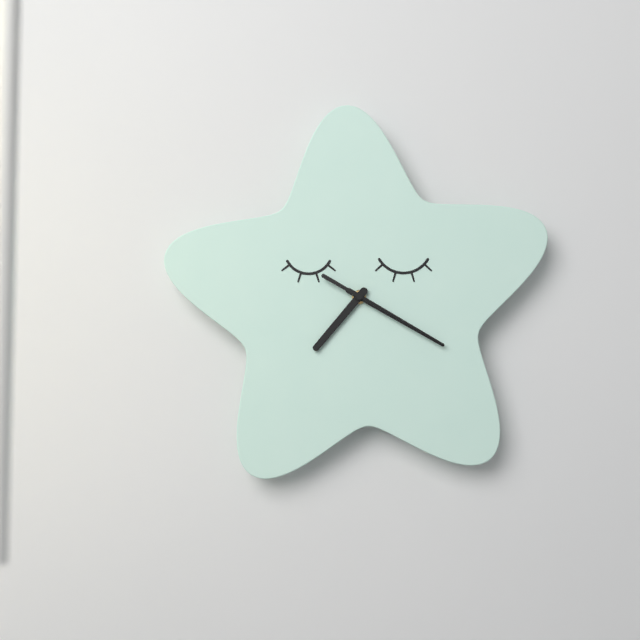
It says 7:20:20
